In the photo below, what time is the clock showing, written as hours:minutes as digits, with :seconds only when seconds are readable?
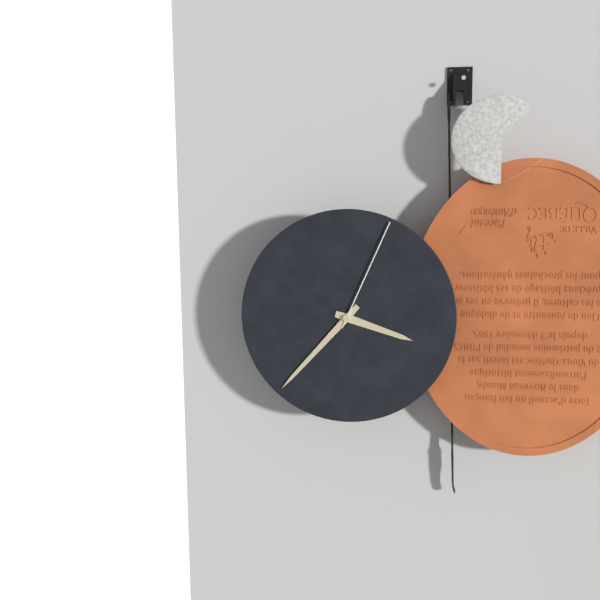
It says 3:37:04
